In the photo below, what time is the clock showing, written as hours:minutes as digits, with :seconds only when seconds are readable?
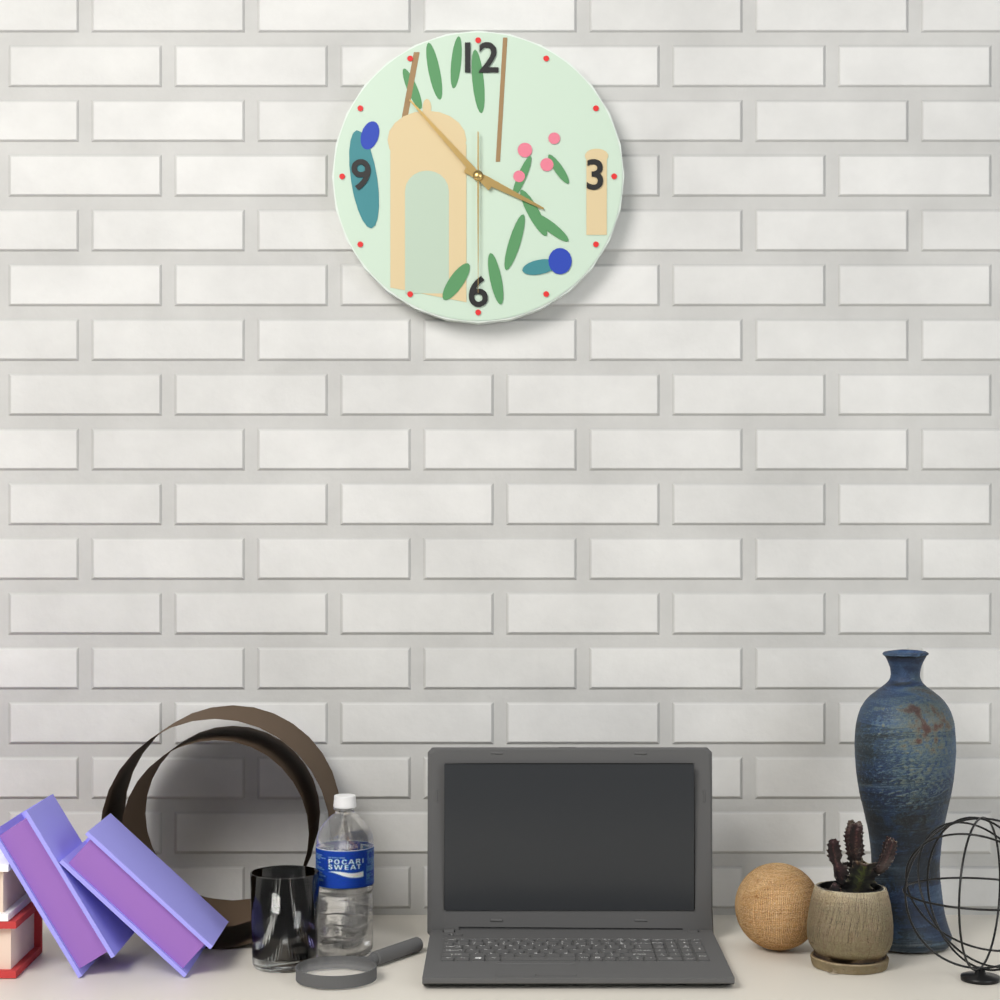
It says 3:53:30
